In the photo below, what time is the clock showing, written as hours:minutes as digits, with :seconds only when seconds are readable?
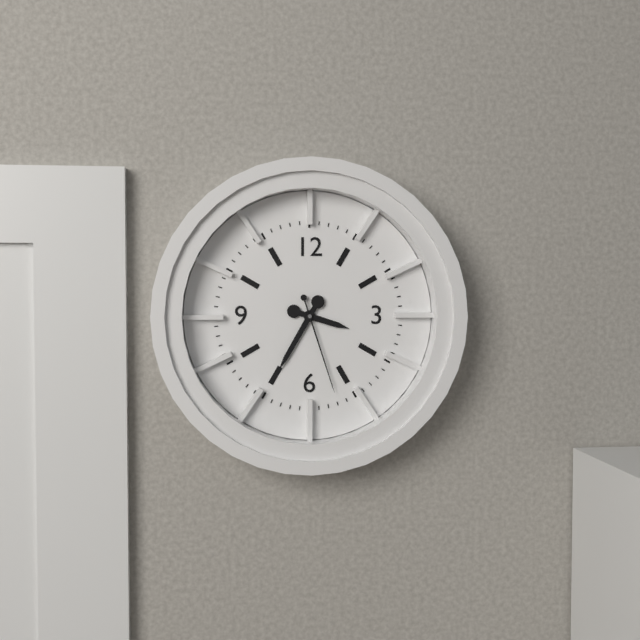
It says 3:35:27
